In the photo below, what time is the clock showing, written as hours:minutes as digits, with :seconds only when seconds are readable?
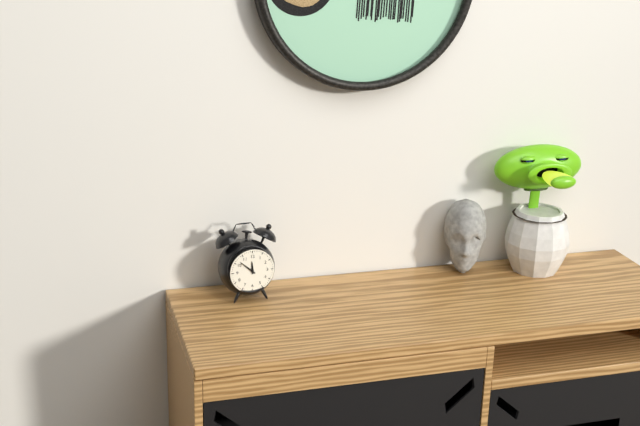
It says 11:52
